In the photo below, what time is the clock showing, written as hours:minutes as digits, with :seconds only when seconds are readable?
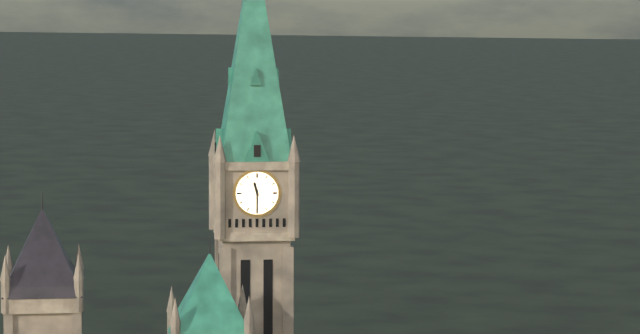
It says 11:30
